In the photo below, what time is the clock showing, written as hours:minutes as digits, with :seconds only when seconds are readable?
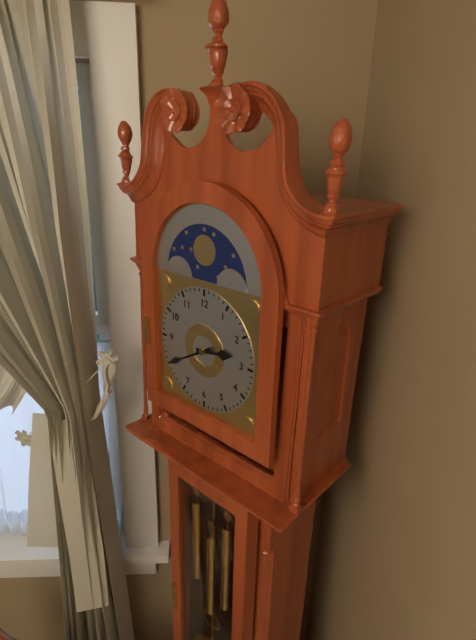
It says 2:40
